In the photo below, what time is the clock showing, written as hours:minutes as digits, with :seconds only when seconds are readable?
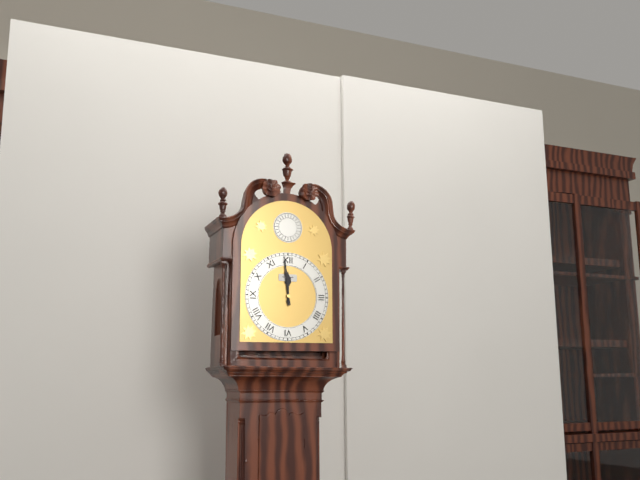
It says 11:59
